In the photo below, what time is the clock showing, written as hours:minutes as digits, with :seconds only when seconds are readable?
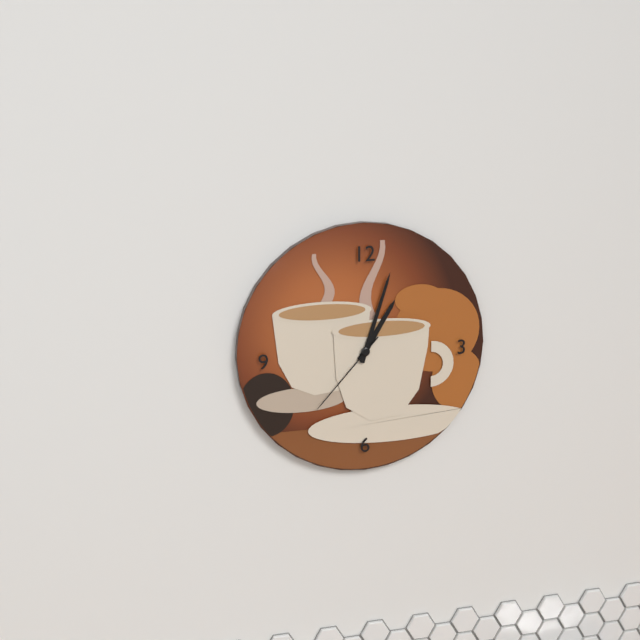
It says 1:03:37
